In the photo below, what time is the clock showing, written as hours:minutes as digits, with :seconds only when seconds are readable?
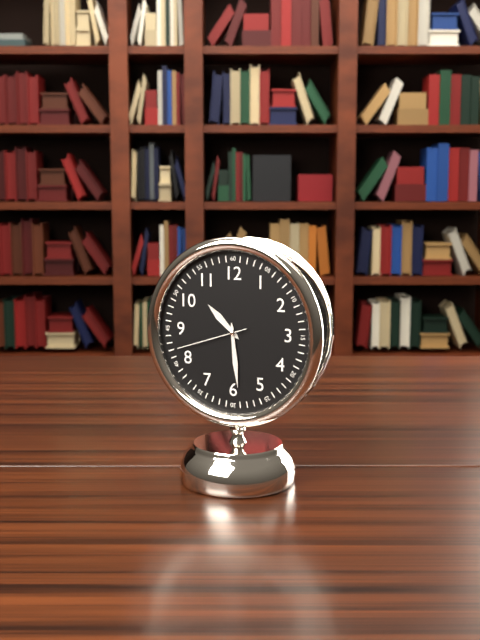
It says 10:29:42
